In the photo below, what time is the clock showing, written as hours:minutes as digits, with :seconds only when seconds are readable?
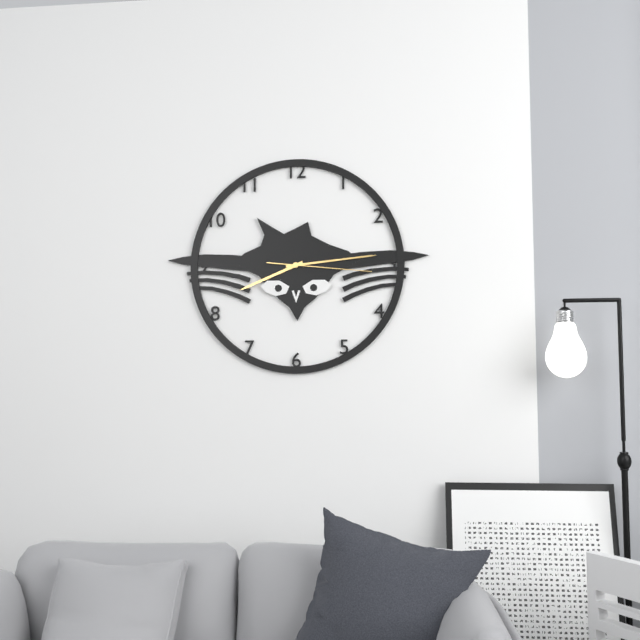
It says 8:14:16
